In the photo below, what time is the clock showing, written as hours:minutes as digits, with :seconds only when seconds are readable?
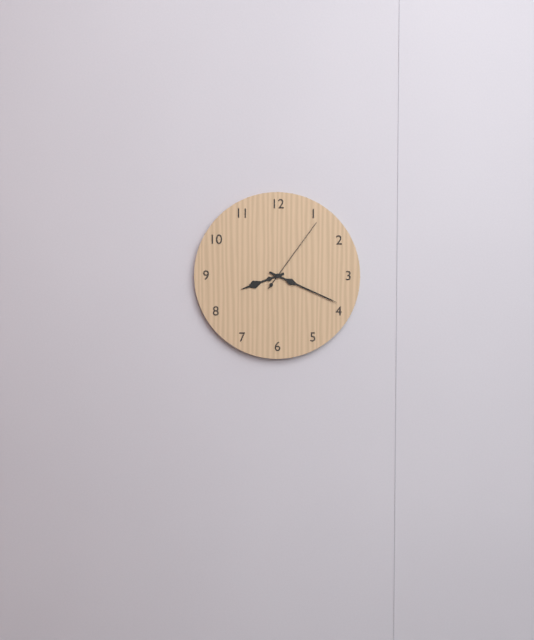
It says 8:19:06
